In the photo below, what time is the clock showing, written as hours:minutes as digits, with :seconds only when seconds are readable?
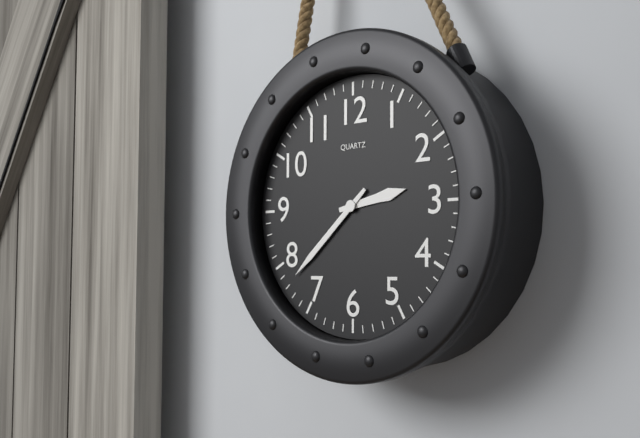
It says 2:38
